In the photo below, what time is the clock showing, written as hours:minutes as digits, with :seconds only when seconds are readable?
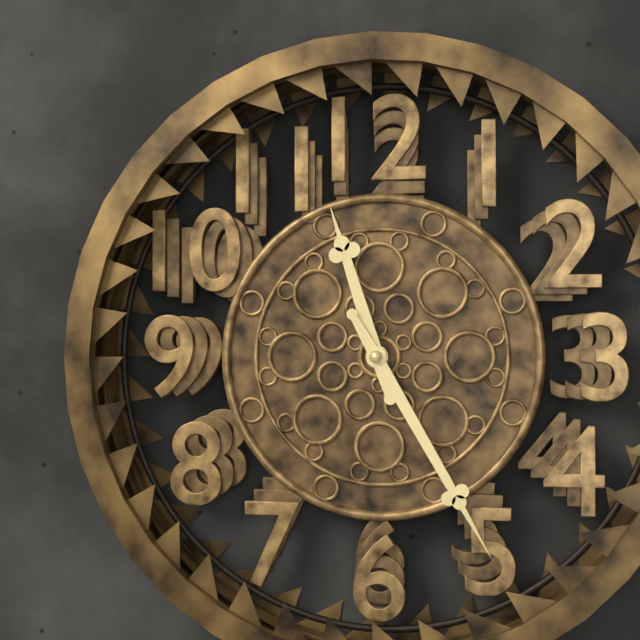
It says 11:25
